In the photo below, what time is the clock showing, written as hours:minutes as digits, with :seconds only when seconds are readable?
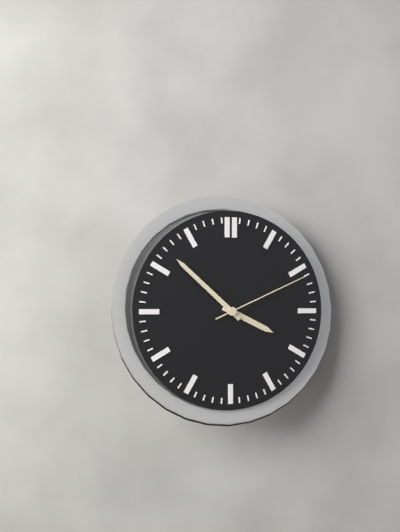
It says 3:52:11
